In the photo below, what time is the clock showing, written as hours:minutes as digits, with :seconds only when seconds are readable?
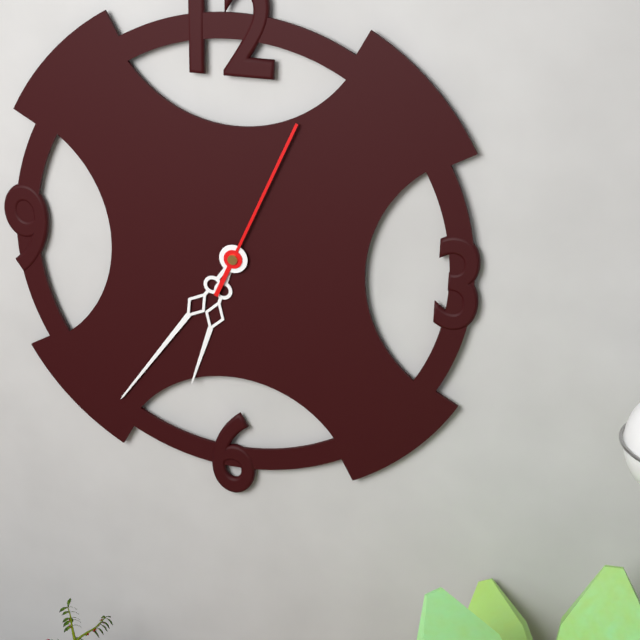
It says 6:36:04
